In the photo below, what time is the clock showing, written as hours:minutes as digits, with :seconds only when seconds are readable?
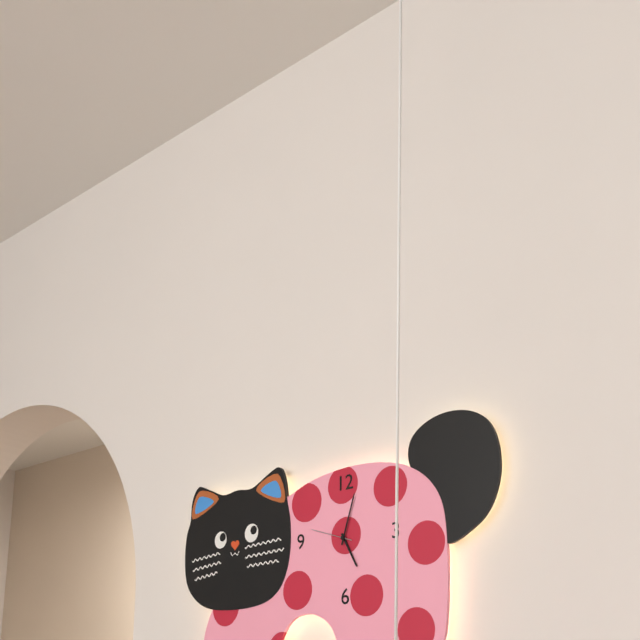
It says 5:03
